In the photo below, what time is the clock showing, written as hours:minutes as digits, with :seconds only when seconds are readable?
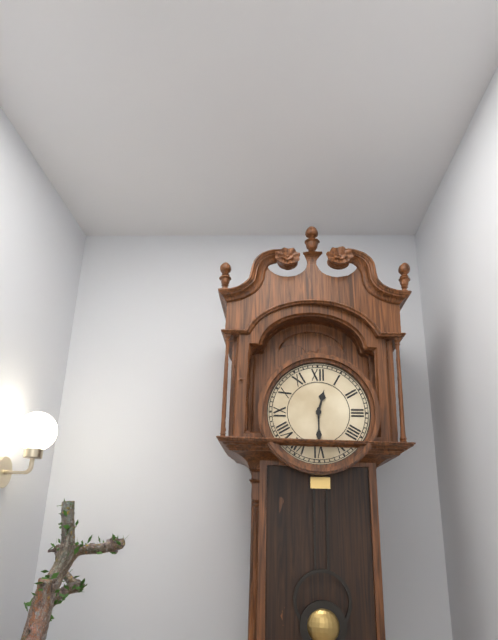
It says 12:30
